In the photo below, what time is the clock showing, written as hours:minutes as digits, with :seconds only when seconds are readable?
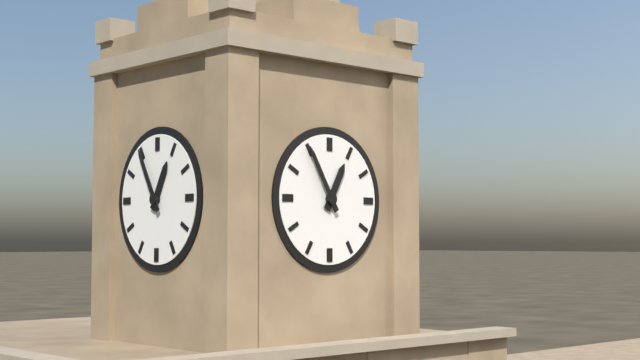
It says 12:55
